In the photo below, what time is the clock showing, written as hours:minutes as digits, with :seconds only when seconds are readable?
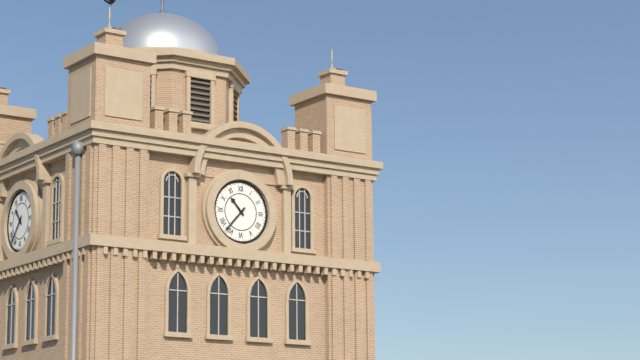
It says 10:37
